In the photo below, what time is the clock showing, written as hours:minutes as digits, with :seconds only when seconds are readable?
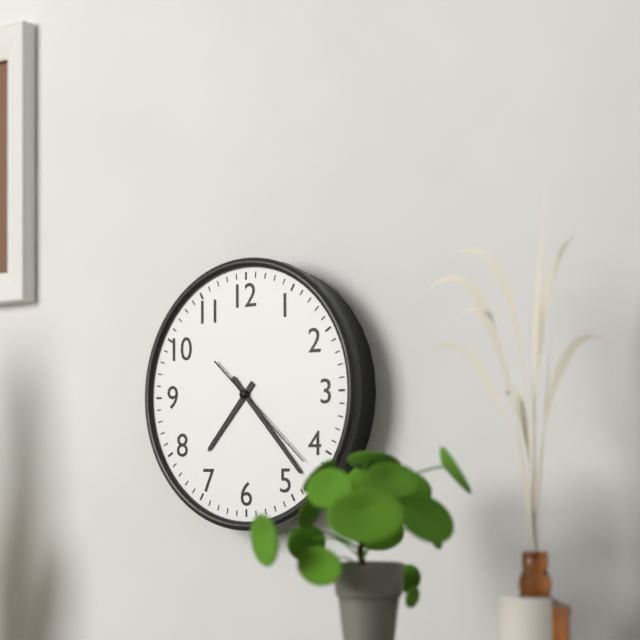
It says 7:23:22
